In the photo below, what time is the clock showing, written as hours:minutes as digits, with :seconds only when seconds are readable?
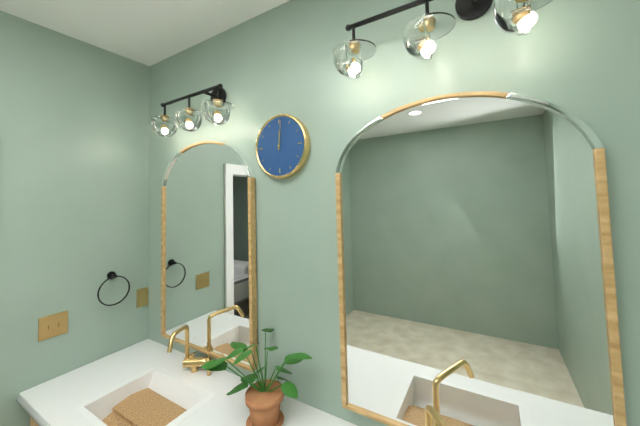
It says 12:01
